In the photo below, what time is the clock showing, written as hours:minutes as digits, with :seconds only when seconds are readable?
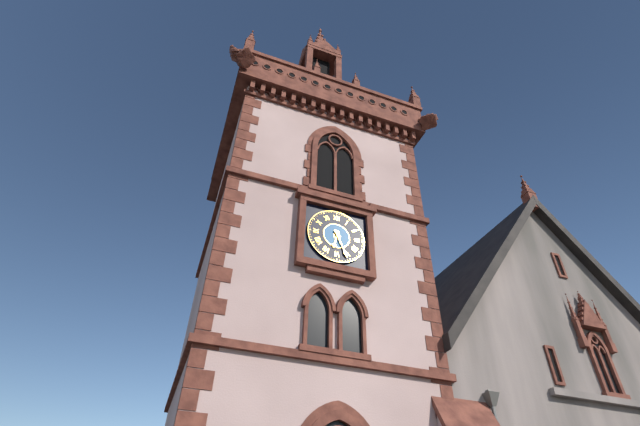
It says 6:26
